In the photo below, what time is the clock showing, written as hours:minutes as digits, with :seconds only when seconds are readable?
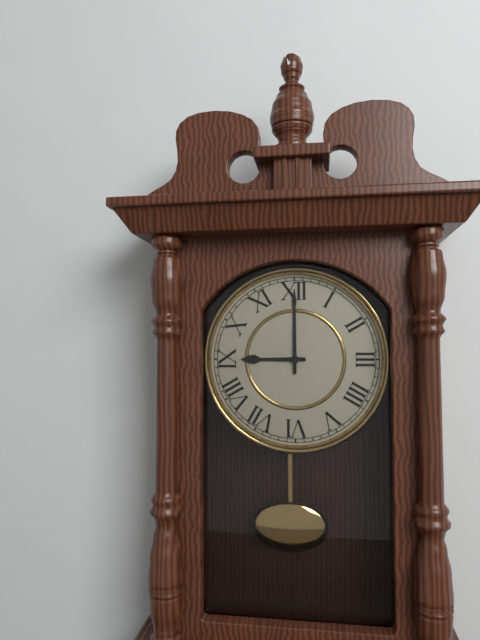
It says 9:00
